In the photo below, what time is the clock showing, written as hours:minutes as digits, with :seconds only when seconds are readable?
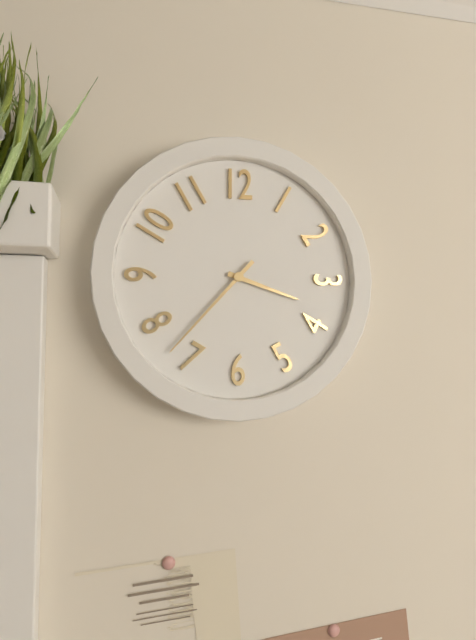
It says 3:37
